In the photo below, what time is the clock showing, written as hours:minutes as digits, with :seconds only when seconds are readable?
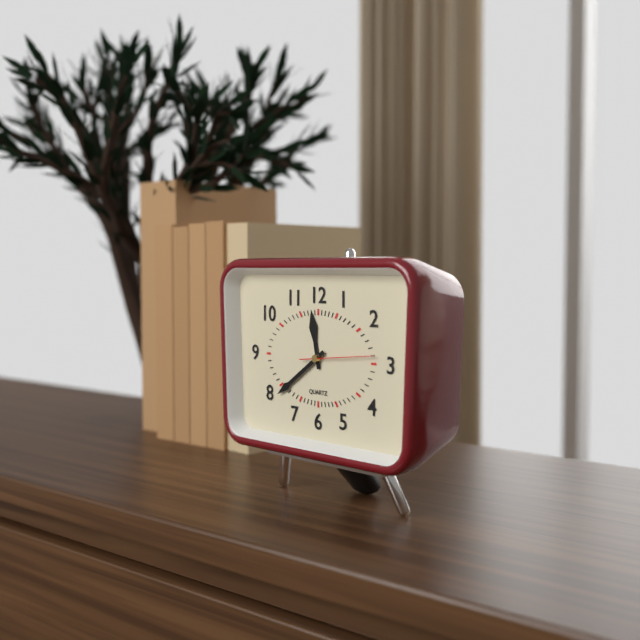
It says 11:39:14
